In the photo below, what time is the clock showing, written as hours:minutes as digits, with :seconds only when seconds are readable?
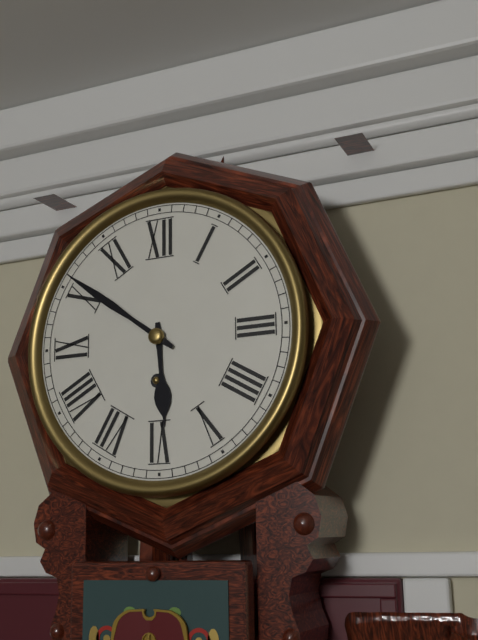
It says 5:51
